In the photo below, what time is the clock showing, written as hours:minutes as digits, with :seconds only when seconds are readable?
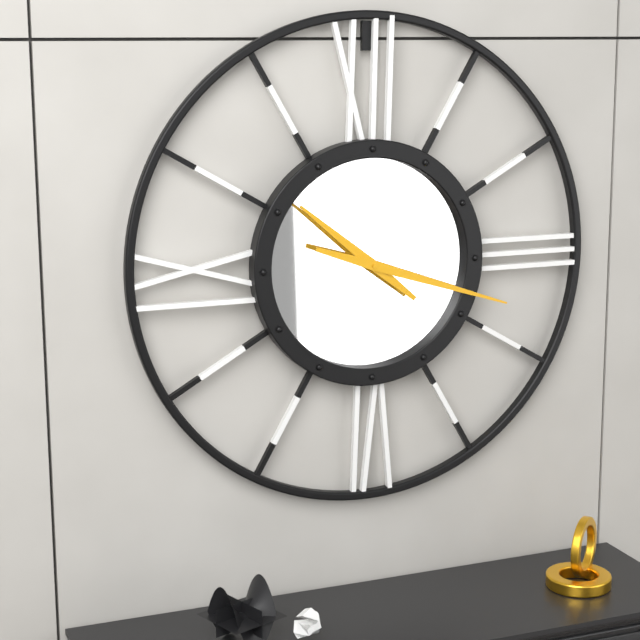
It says 10:18
